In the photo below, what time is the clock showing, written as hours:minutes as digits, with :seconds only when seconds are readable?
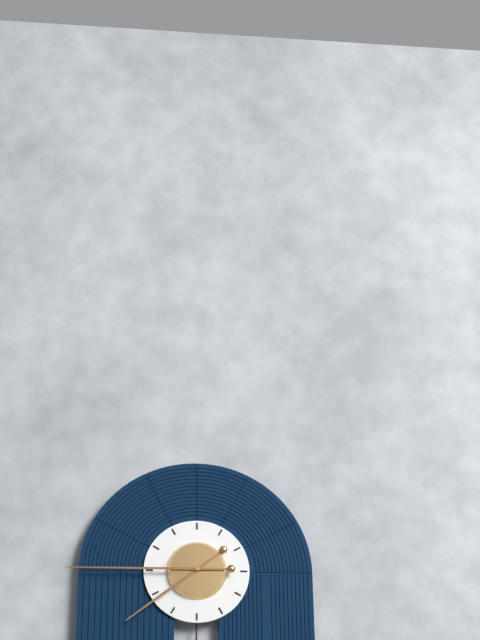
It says 7:45
